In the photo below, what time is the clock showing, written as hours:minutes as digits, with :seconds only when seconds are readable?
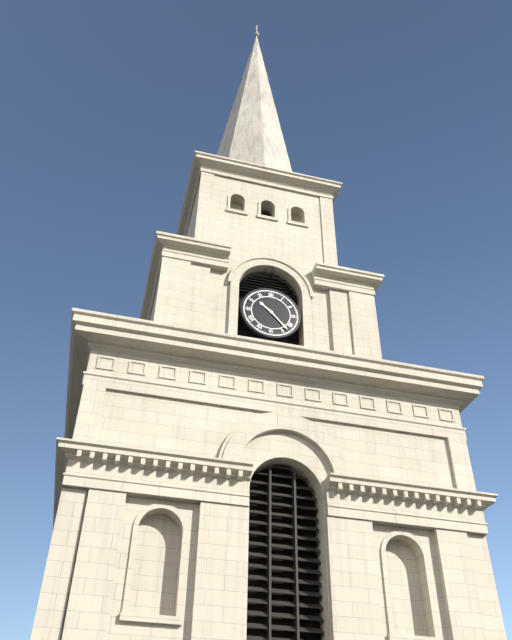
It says 10:23
